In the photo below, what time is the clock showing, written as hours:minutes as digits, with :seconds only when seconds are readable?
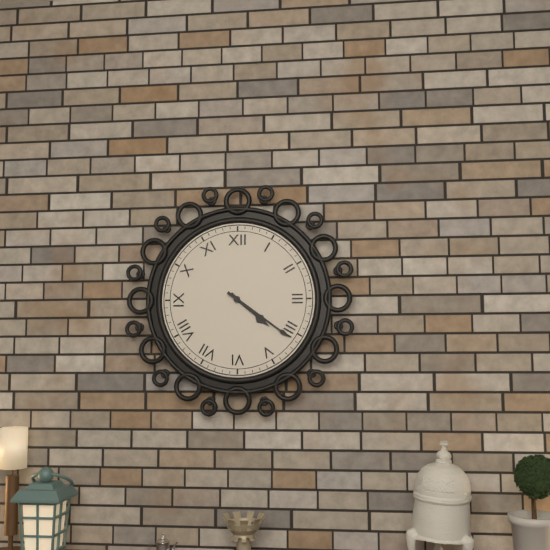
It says 4:21
